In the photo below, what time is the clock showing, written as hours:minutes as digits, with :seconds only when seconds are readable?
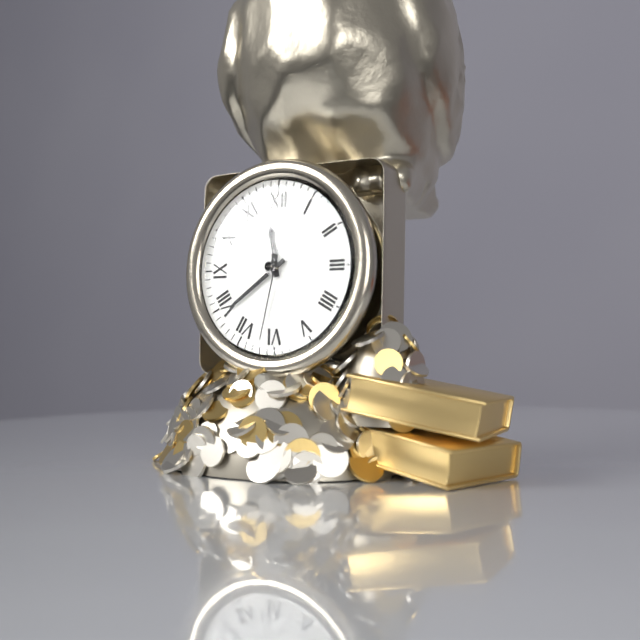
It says 11:39:32
